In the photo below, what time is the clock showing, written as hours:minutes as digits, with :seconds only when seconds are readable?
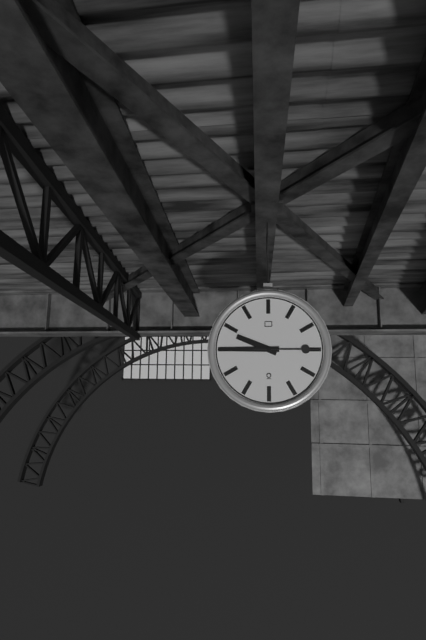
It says 9:45:15
